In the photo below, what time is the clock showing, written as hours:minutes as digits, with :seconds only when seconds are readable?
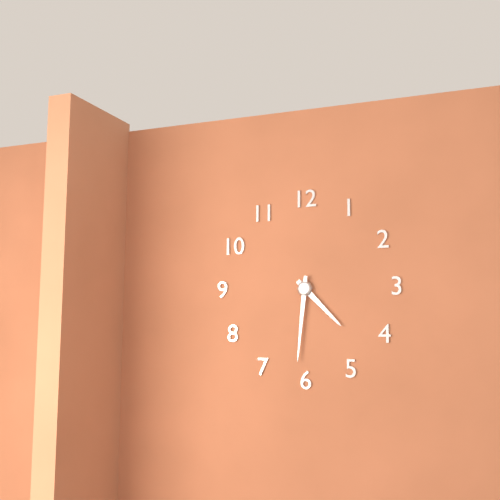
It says 4:31
